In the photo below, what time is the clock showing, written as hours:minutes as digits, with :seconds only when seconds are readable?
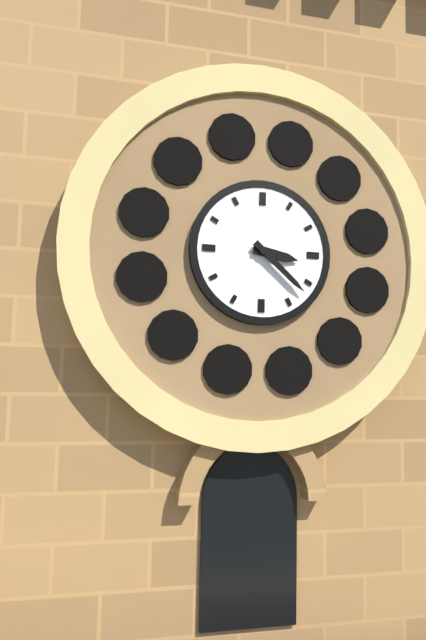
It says 3:22
